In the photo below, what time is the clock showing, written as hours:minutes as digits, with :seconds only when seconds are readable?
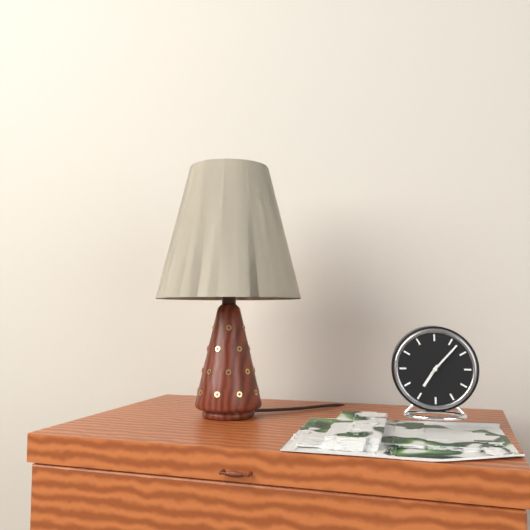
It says 7:07
